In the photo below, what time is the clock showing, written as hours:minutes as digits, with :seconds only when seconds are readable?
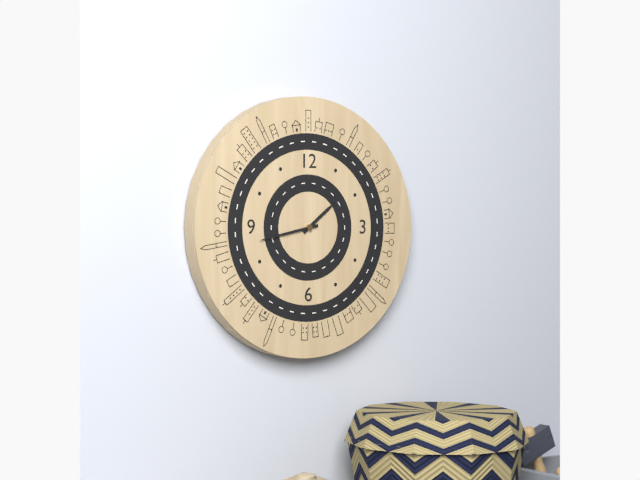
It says 1:43
